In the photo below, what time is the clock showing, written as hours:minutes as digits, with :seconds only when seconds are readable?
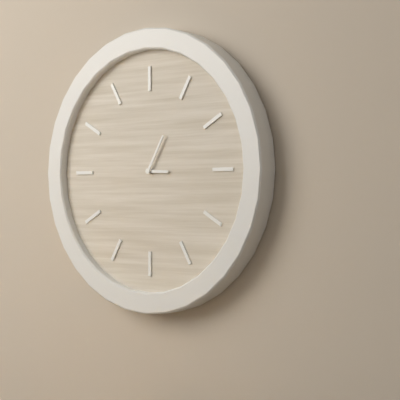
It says 3:05
